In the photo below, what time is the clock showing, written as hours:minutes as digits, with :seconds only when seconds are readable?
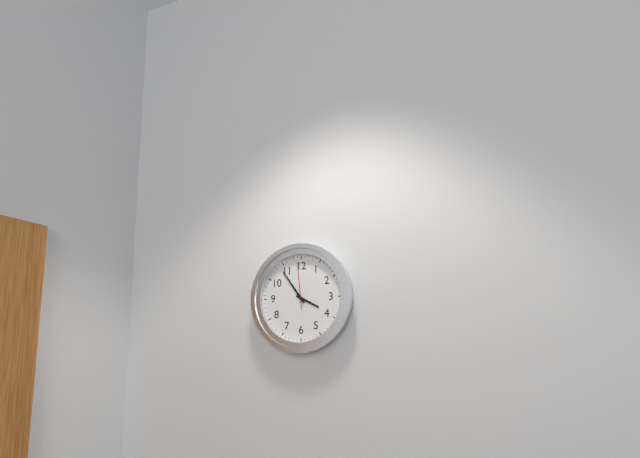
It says 3:54
